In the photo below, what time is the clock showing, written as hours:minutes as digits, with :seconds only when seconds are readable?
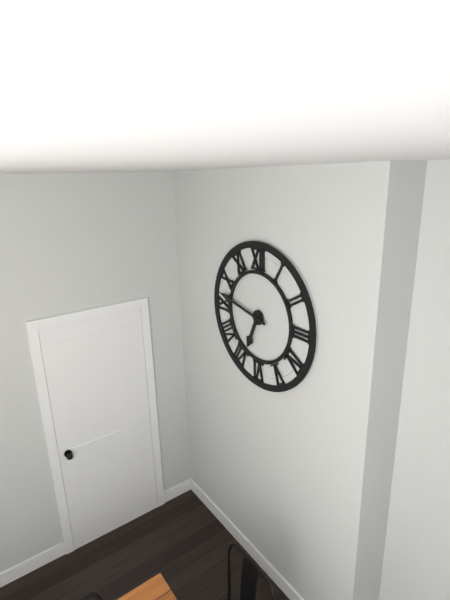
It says 6:47
